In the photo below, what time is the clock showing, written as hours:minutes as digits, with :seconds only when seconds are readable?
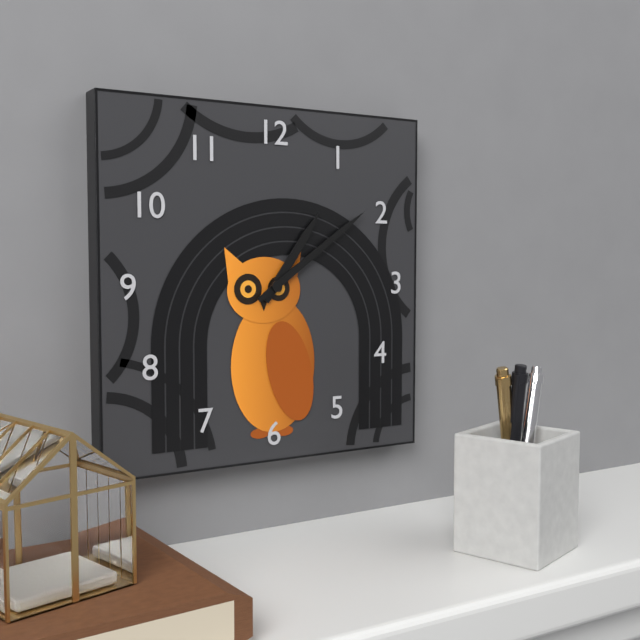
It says 1:09
